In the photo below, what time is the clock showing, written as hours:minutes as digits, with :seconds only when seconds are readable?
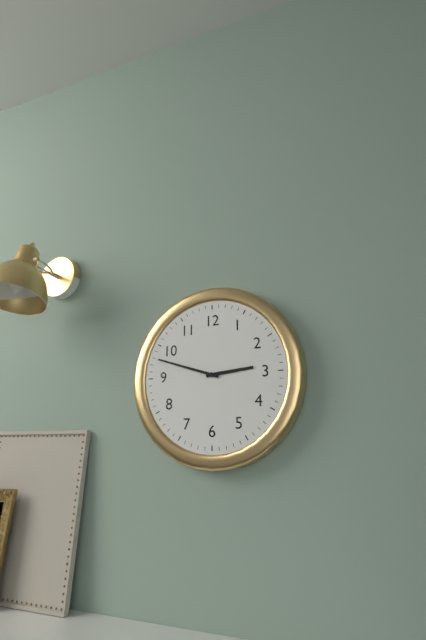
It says 2:48
